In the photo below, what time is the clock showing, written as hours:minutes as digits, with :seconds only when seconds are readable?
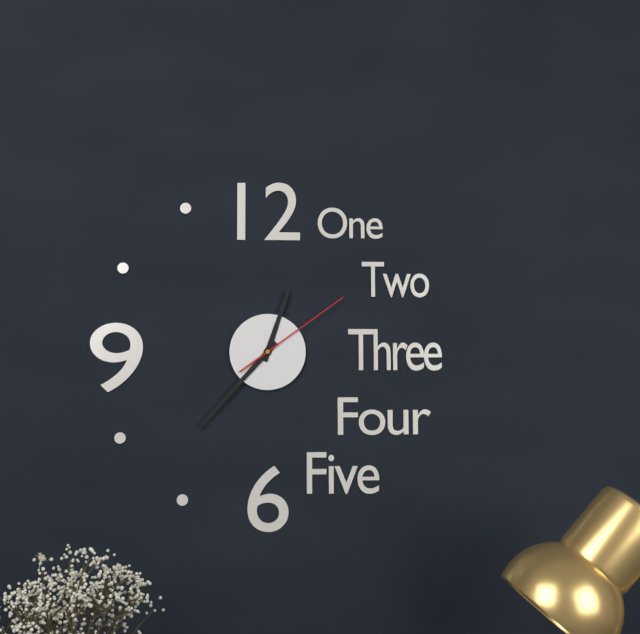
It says 12:37:09
